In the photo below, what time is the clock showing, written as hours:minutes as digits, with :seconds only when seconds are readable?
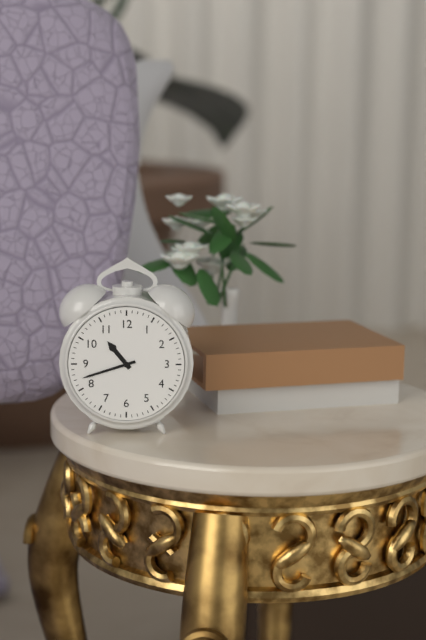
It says 10:42
